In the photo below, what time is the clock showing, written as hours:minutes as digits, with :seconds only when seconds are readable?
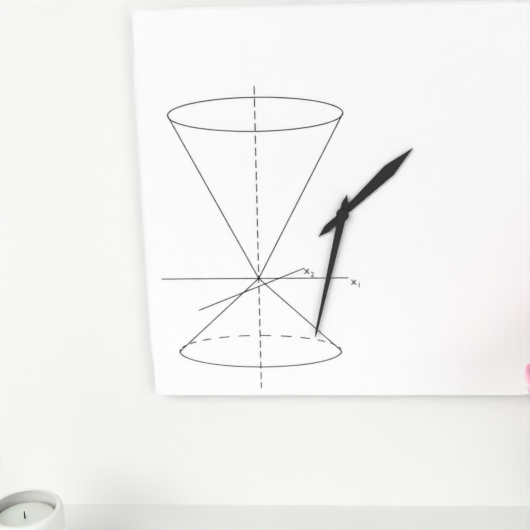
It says 1:32
